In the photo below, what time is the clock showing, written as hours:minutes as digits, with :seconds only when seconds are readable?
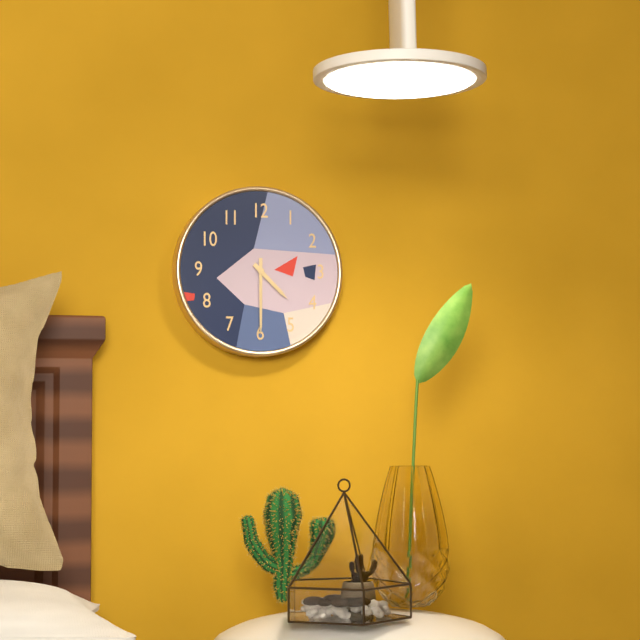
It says 4:30
